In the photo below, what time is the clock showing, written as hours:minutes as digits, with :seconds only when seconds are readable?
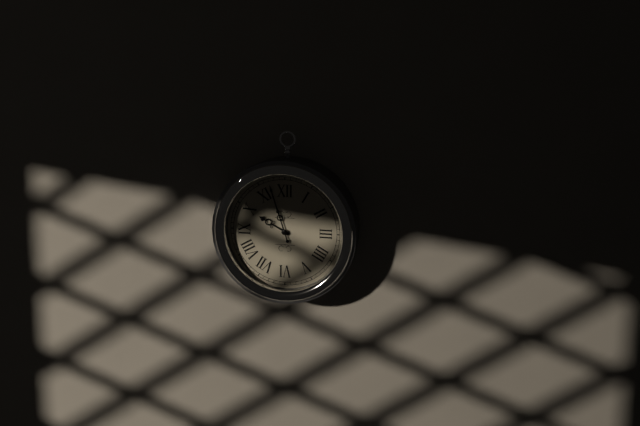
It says 9:57
